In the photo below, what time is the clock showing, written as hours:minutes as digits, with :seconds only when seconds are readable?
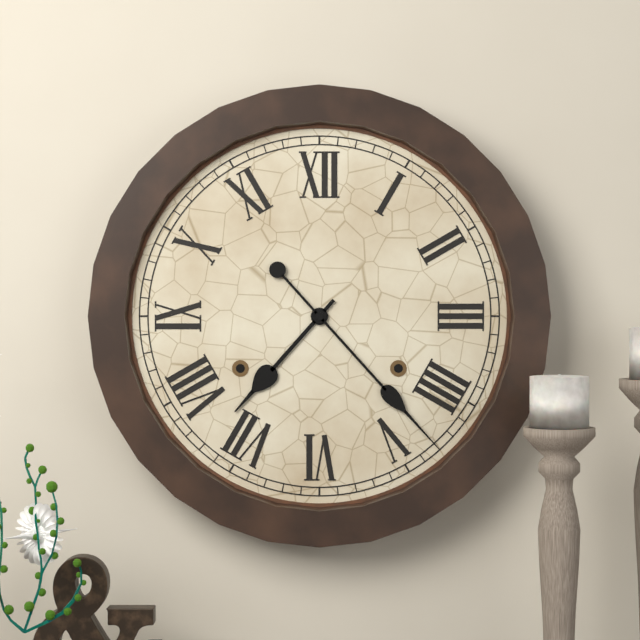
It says 7:23
